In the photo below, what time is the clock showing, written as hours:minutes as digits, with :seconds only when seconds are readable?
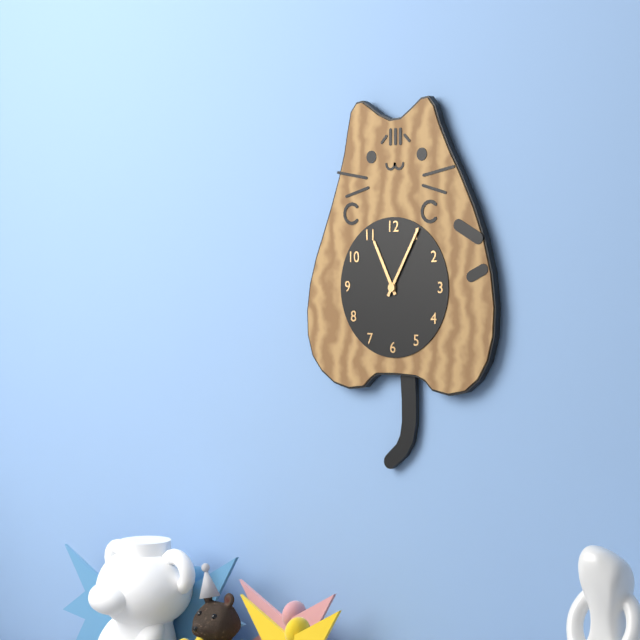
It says 11:05
